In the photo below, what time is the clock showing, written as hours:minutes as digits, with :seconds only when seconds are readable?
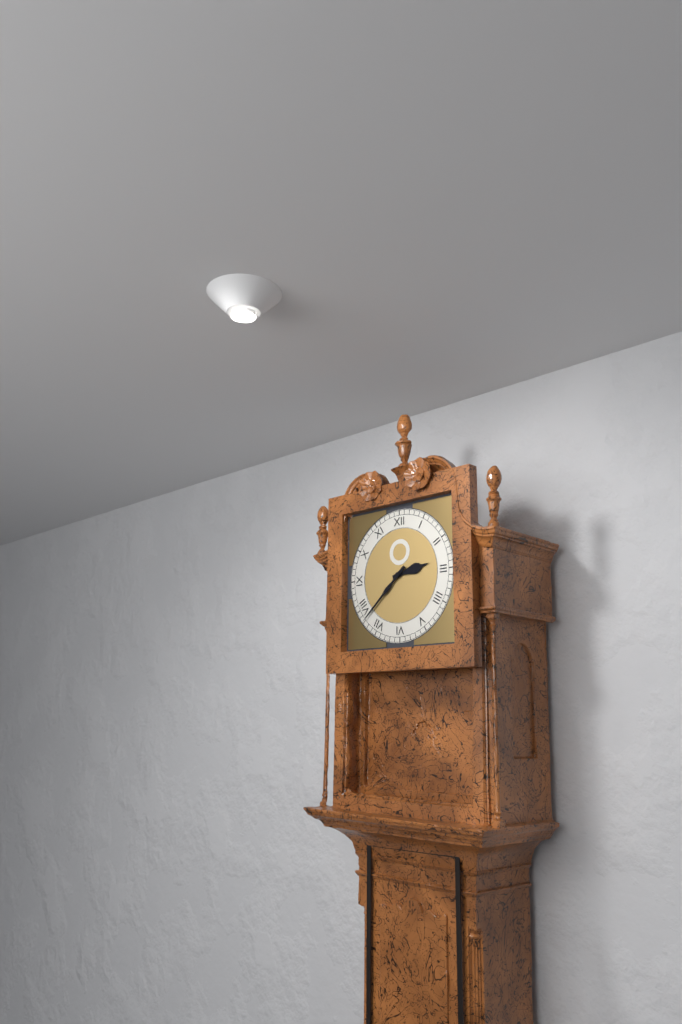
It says 2:38
